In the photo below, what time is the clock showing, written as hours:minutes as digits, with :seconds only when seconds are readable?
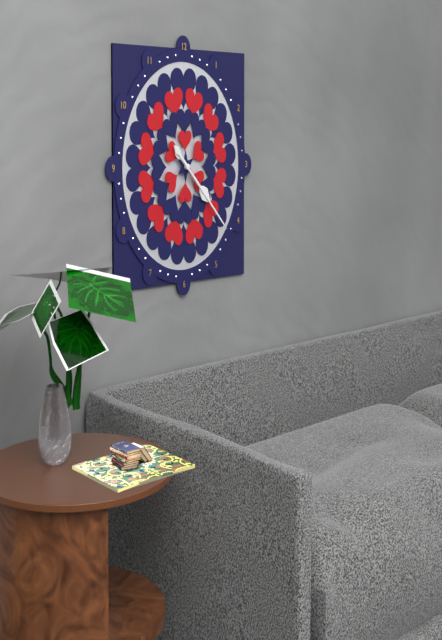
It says 4:22
